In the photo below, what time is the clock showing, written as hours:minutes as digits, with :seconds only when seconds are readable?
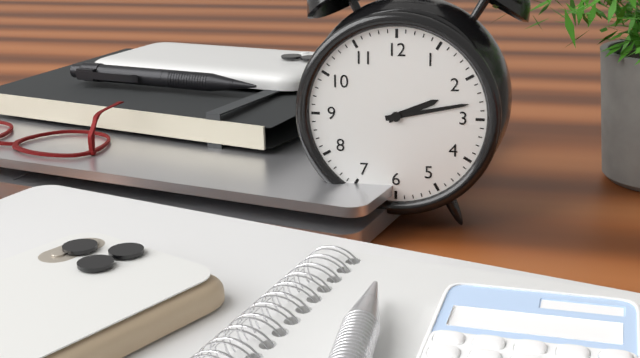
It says 2:13
